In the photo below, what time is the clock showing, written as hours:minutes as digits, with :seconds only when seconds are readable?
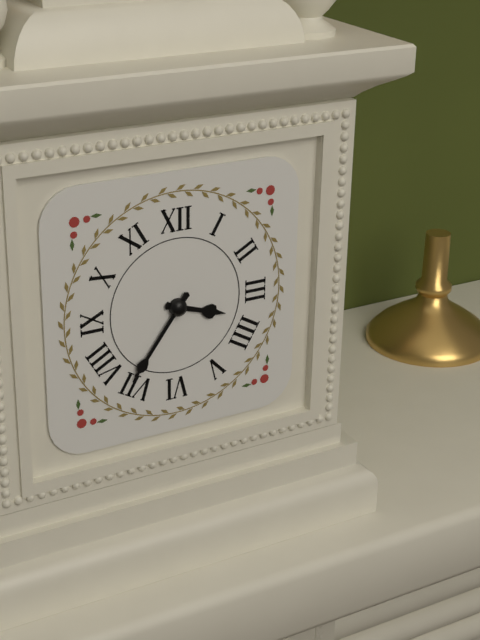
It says 3:36
